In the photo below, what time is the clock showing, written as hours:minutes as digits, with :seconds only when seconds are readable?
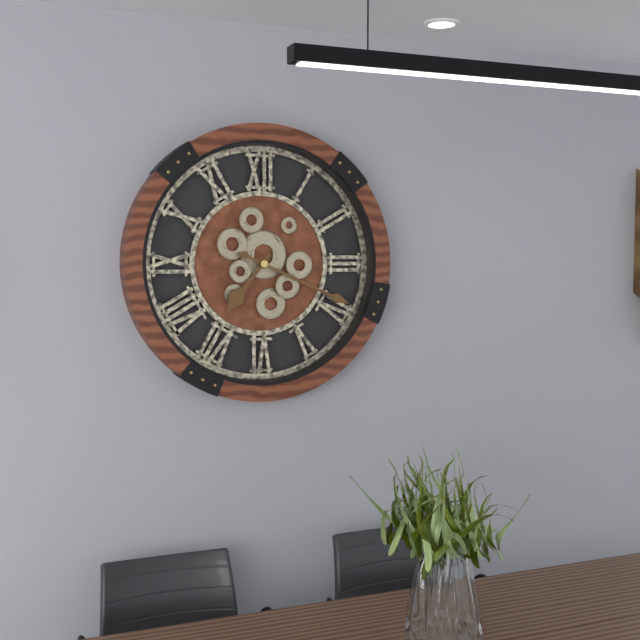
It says 7:19
